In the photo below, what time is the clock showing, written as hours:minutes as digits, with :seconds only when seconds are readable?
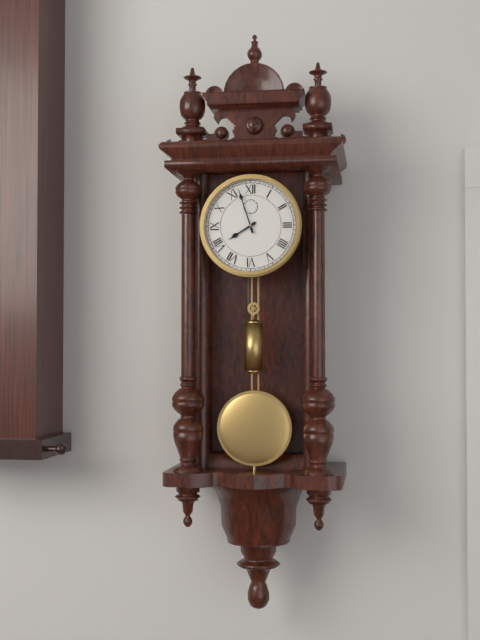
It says 7:57
